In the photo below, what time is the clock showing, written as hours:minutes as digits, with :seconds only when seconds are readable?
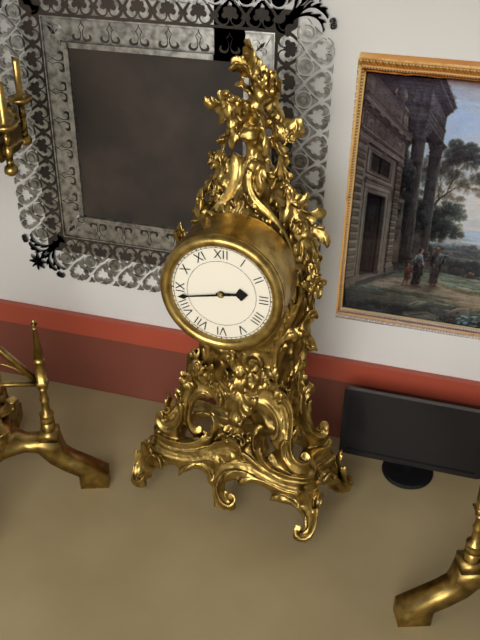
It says 2:43
